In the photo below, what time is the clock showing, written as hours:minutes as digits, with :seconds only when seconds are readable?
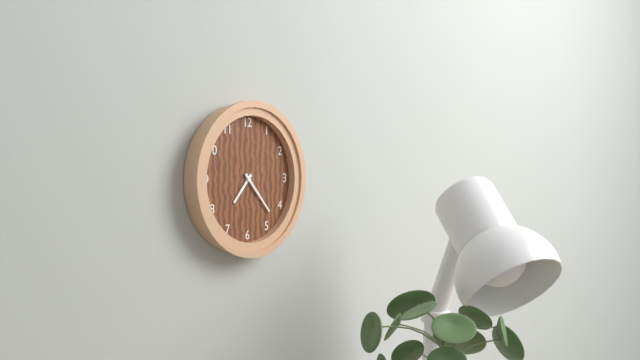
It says 7:23
